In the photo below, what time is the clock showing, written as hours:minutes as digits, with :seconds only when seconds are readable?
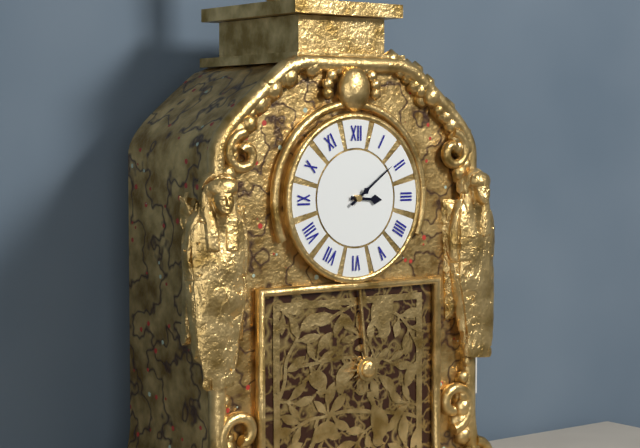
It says 3:09
